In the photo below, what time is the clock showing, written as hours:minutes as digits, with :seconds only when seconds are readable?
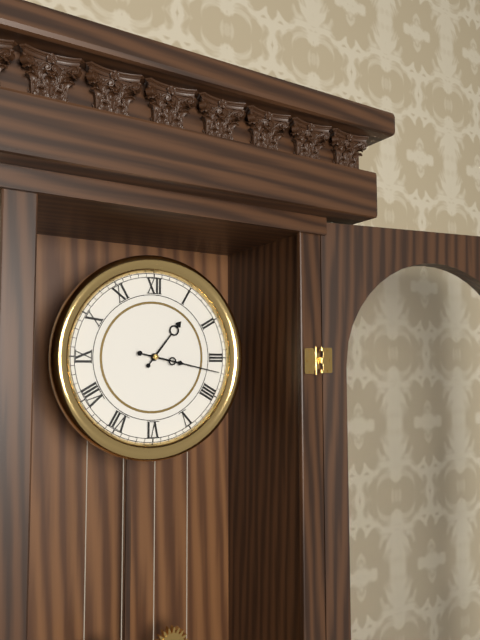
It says 1:17
